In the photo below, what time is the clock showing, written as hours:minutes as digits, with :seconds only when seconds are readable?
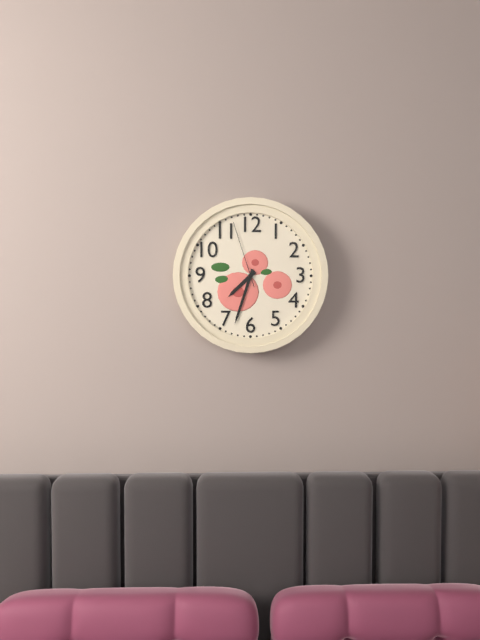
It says 7:33:57
